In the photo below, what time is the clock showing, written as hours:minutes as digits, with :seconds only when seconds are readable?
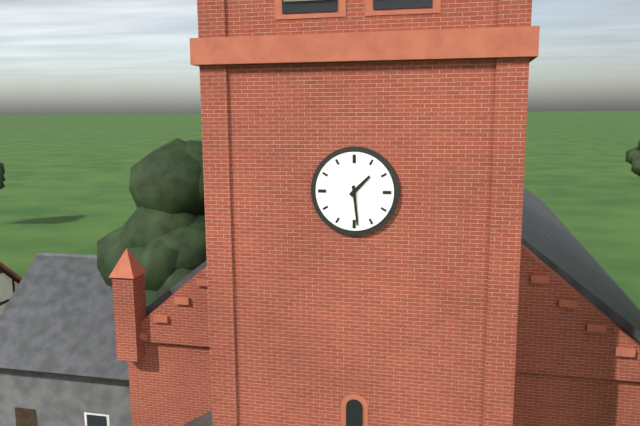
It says 1:29
